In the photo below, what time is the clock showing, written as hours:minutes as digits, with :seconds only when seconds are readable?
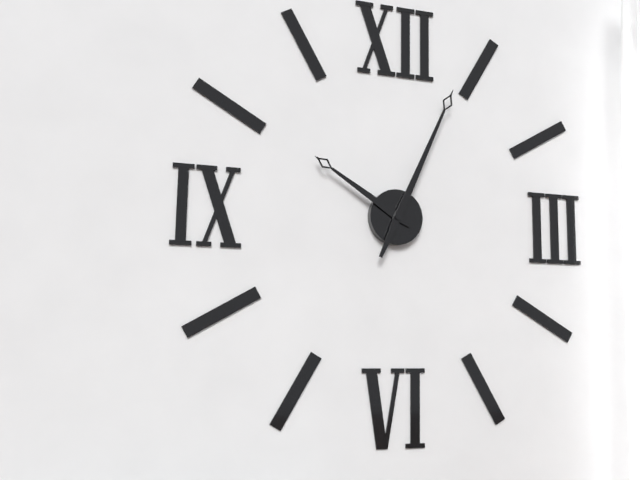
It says 10:04
